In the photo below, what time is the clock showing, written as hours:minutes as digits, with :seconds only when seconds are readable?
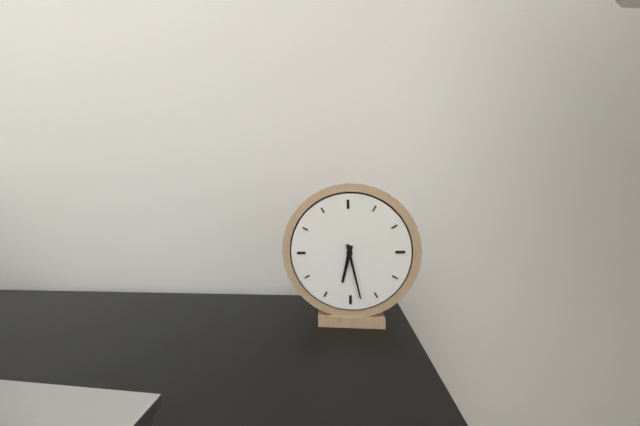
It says 6:28
